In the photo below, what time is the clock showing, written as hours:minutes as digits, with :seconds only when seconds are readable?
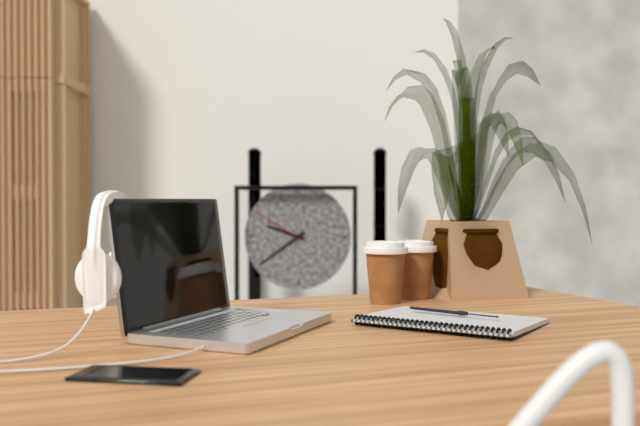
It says 9:39:50
